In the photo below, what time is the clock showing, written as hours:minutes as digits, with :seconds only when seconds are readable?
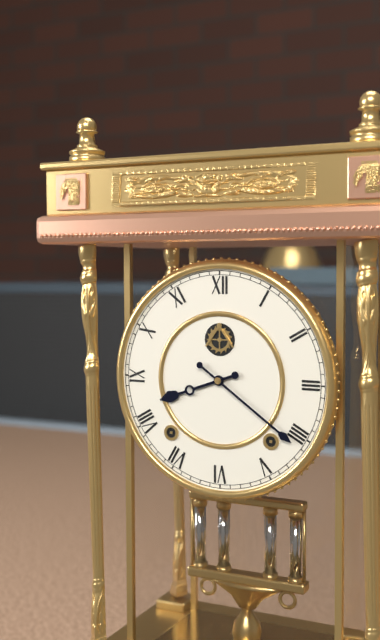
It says 8:21
